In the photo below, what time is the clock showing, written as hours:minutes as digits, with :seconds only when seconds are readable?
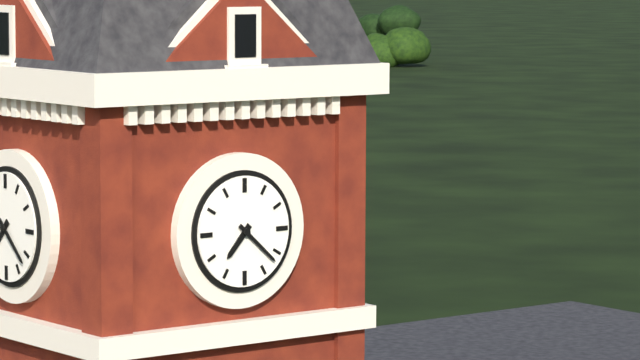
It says 7:22
